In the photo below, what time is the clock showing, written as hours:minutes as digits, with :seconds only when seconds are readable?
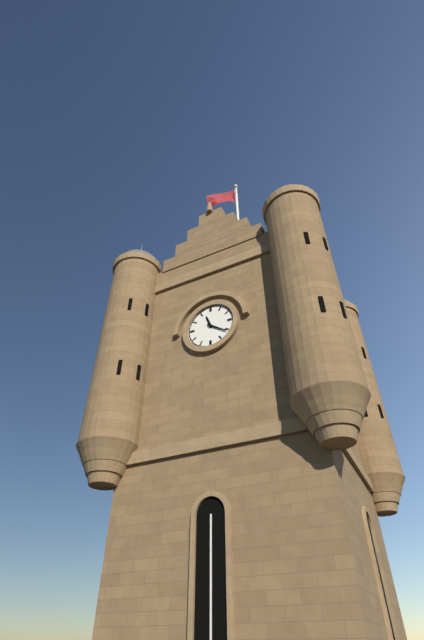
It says 11:21
